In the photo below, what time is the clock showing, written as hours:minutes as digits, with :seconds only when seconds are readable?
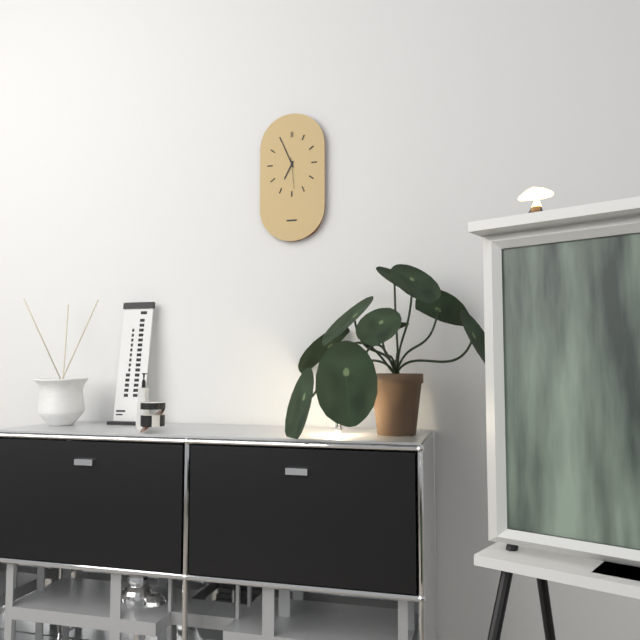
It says 6:56
